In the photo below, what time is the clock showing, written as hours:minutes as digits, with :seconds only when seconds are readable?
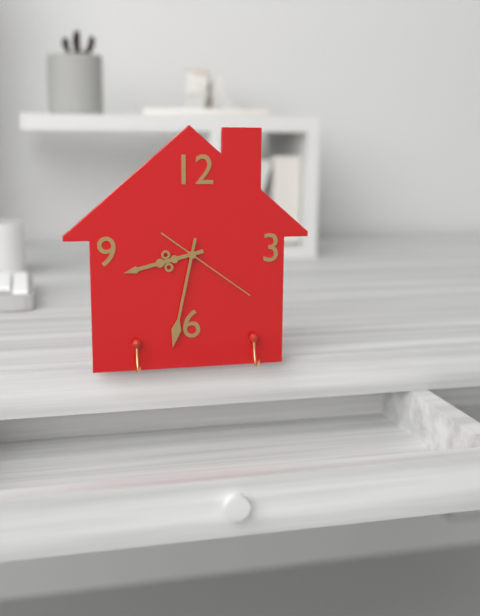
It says 8:32:21
